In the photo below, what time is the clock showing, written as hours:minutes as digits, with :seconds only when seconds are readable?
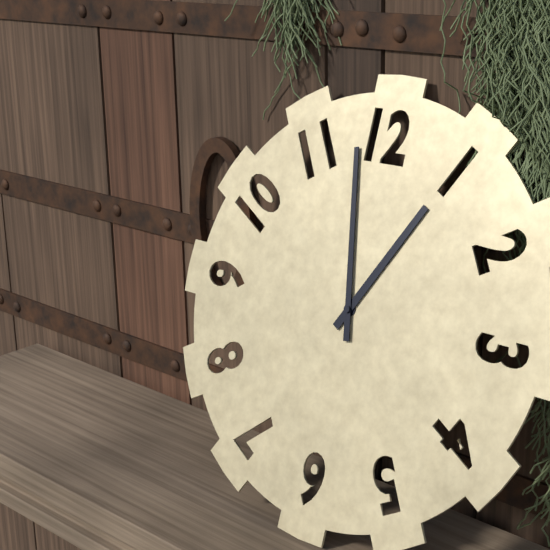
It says 12:58
